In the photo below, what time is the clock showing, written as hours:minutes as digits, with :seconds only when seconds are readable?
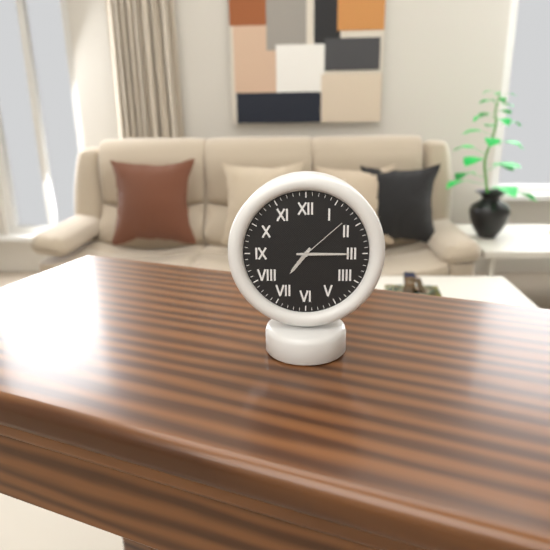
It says 7:15:08
